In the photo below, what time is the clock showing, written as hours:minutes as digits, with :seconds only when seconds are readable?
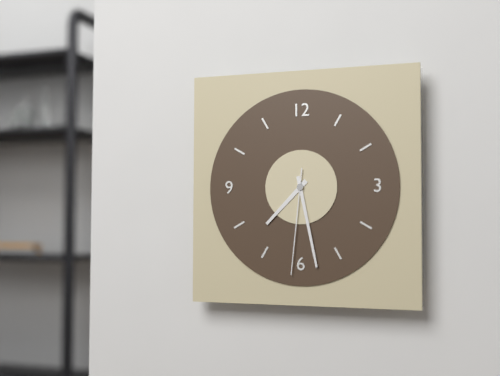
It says 7:28:31
